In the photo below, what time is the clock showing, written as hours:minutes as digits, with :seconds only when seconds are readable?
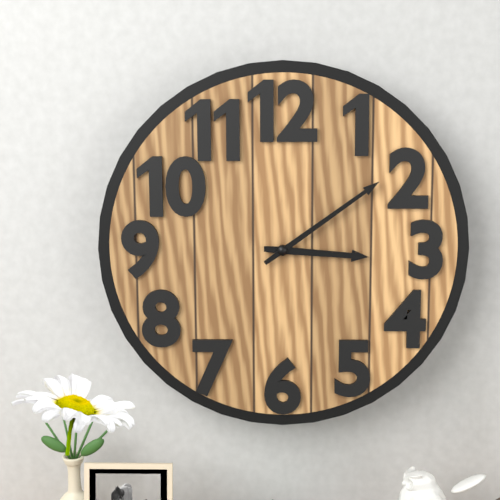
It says 3:09
